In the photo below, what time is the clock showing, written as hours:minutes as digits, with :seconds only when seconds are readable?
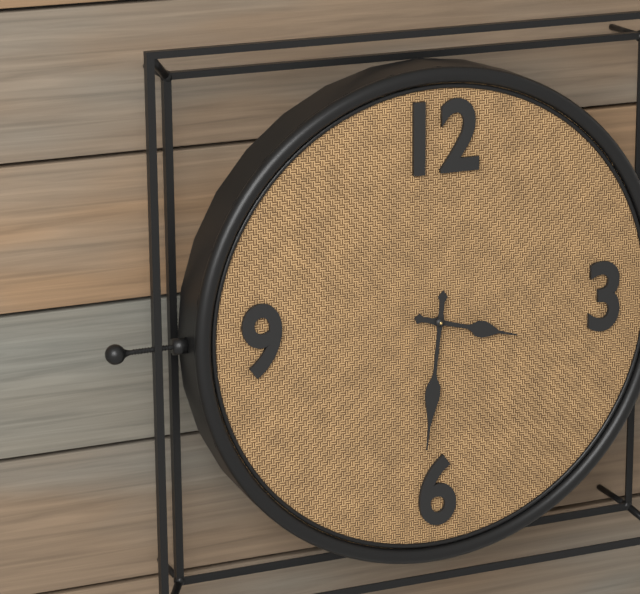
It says 3:31
